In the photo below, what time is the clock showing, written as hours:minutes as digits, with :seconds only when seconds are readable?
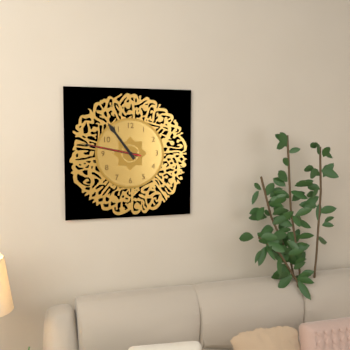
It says 10:47:47
